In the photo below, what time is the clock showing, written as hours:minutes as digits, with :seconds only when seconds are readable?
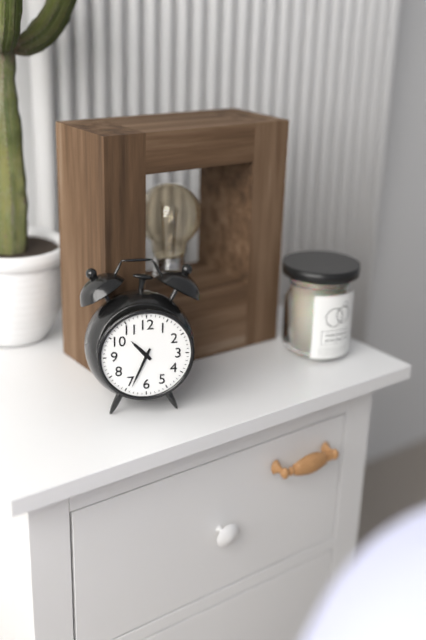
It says 10:34
